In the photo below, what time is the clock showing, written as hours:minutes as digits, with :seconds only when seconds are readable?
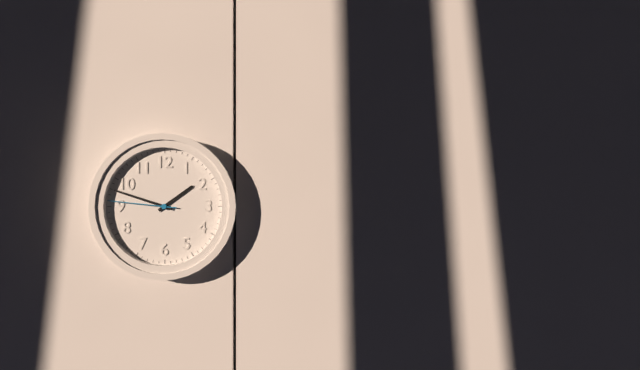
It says 1:48:46
